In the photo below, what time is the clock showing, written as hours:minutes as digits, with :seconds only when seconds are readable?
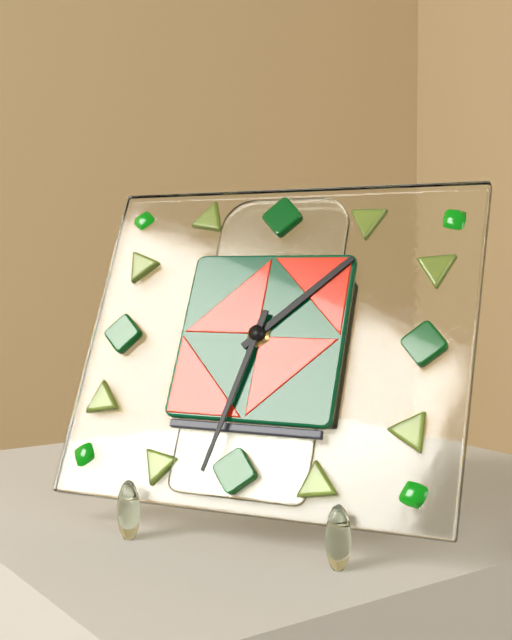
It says 1:32
